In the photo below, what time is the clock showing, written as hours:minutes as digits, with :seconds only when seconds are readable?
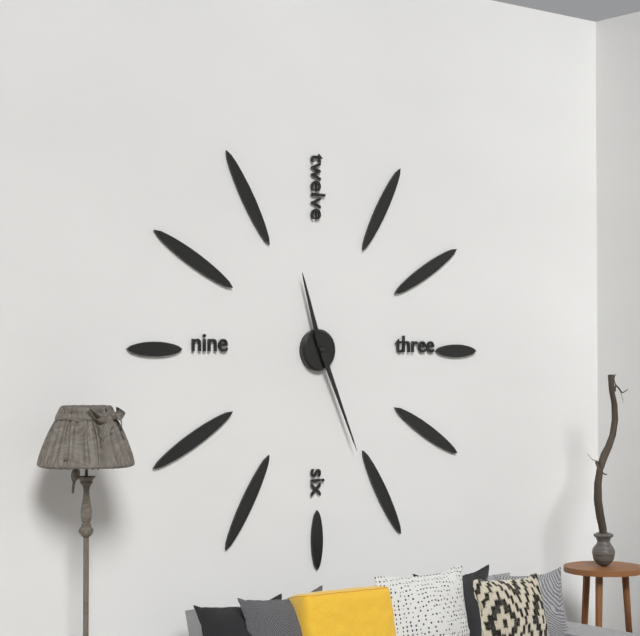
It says 11:26
